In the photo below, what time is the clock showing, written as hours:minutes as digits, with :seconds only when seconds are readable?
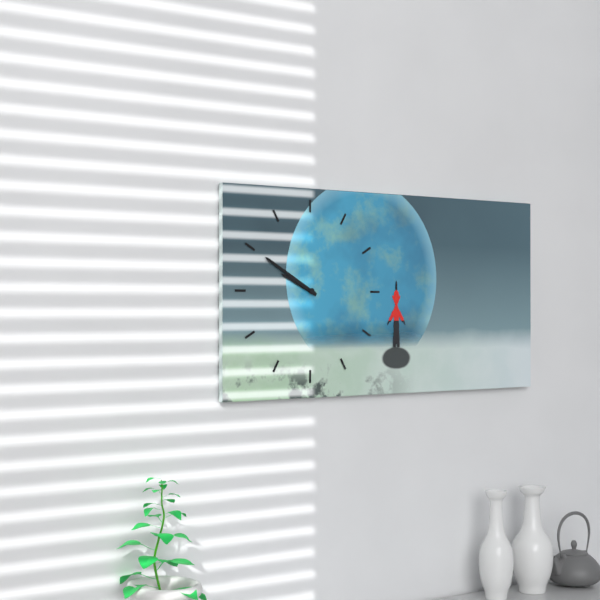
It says 9:50
